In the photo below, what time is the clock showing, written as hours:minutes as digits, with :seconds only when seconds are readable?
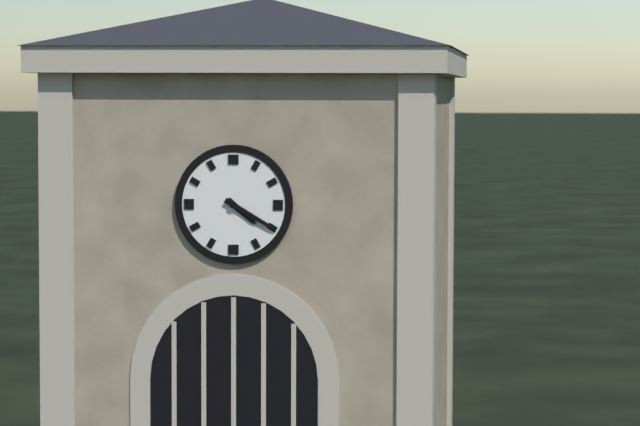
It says 4:20
